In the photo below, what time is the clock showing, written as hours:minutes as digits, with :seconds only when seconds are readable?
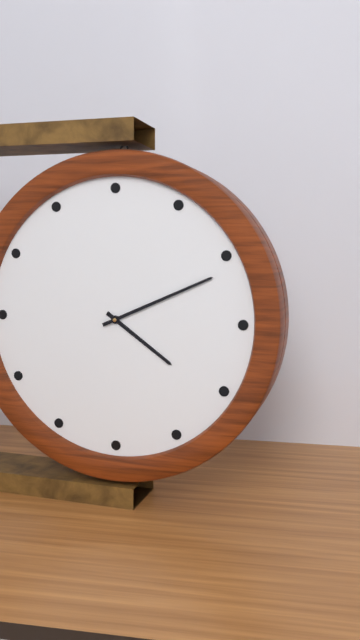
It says 4:11
